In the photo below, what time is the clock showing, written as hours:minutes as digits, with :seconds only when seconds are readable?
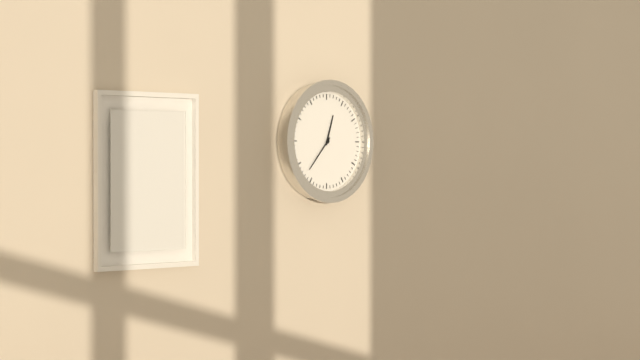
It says 12:37
